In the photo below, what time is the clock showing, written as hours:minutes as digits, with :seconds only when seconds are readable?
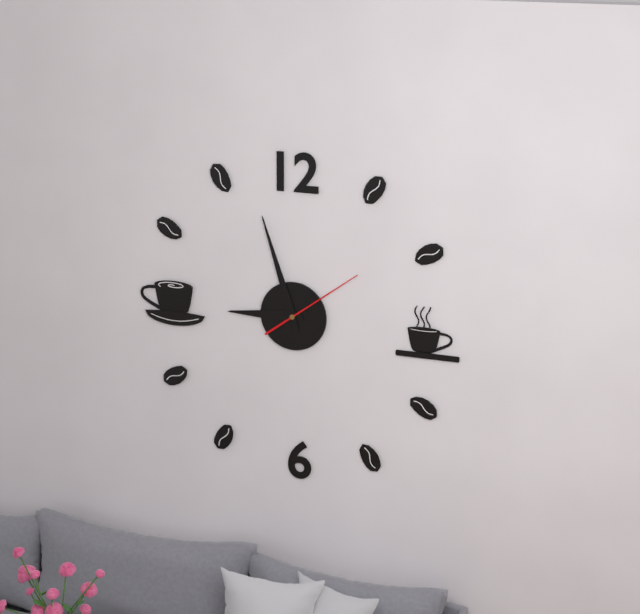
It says 8:57:09
